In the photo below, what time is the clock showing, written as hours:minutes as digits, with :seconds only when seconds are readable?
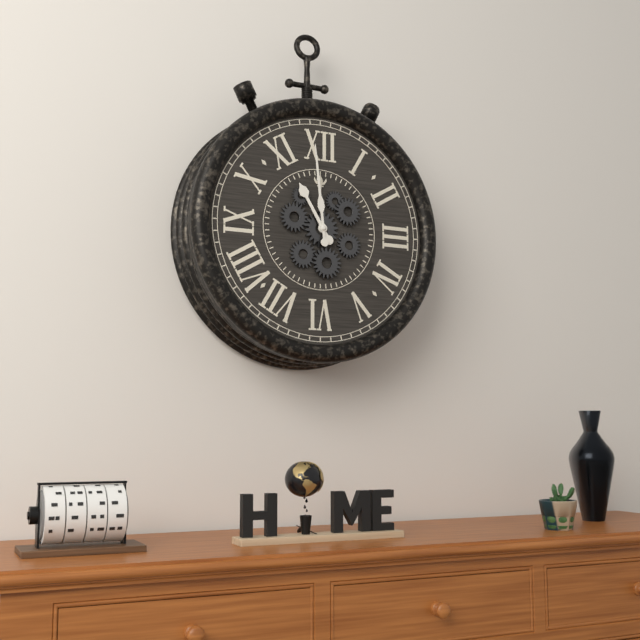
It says 10:59
